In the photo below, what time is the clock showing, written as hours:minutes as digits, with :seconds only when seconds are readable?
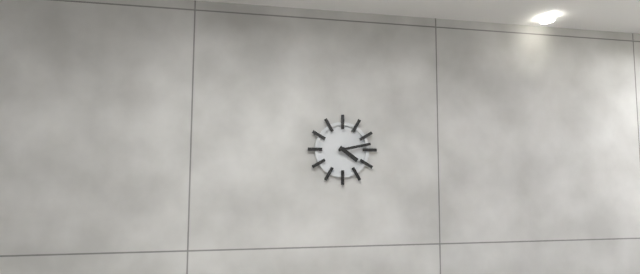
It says 4:13
